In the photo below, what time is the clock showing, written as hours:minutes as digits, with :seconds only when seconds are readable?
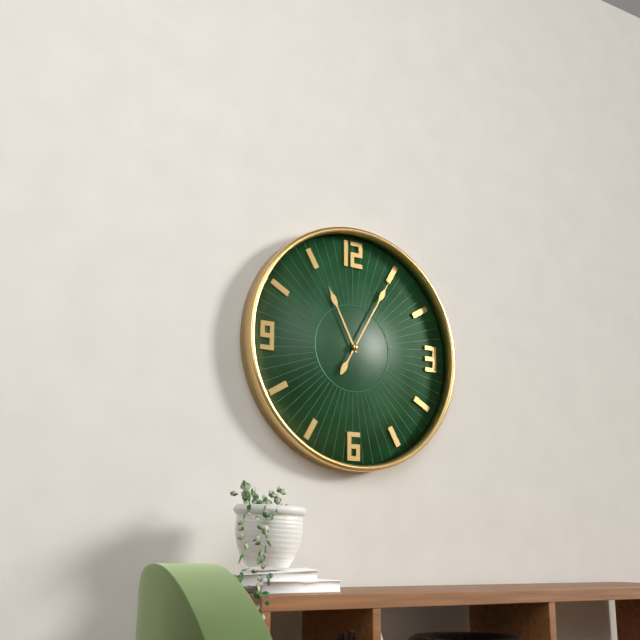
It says 11:05
